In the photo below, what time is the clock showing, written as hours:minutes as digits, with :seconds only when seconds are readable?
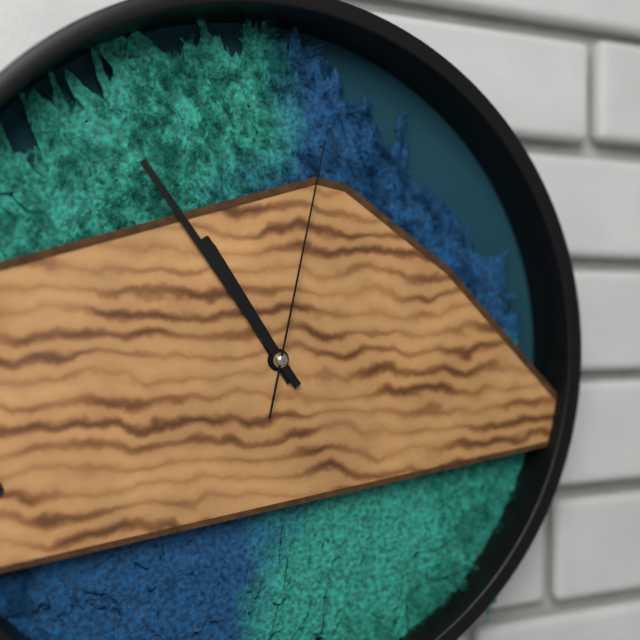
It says 10:54:02
